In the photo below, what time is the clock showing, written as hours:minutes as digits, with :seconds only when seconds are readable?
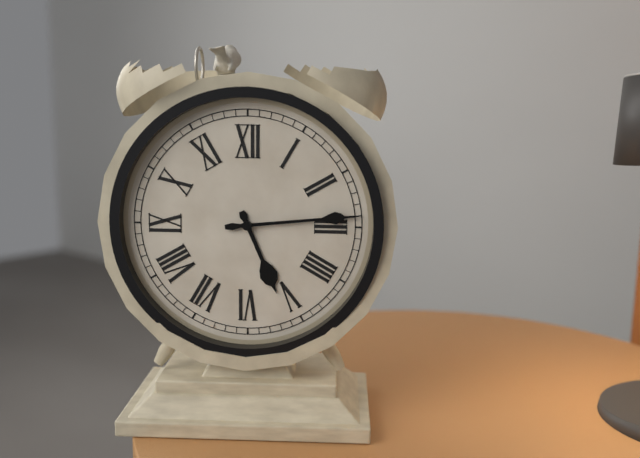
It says 5:14
